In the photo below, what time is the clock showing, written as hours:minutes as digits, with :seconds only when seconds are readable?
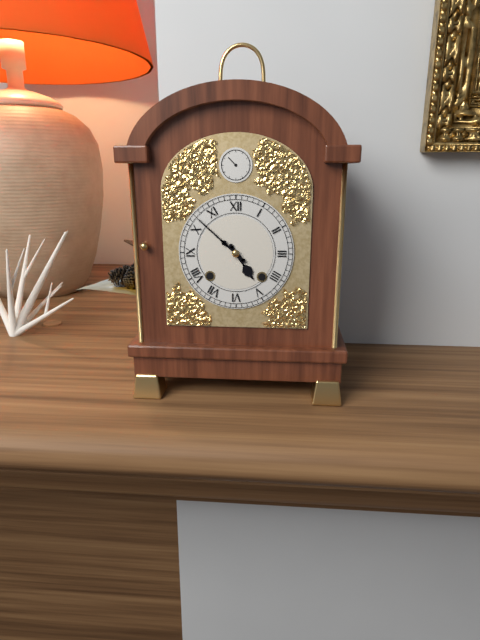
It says 4:52
